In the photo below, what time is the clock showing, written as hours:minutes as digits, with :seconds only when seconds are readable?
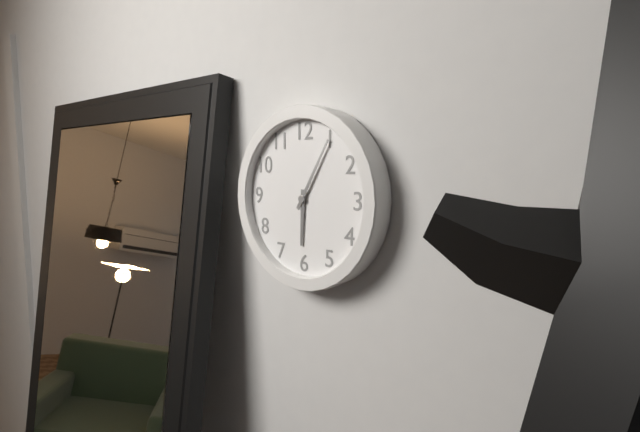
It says 6:05
